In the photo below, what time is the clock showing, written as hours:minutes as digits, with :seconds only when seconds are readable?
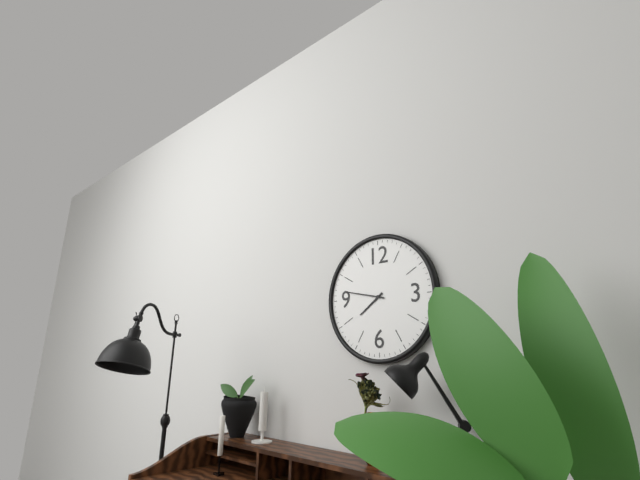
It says 7:47
